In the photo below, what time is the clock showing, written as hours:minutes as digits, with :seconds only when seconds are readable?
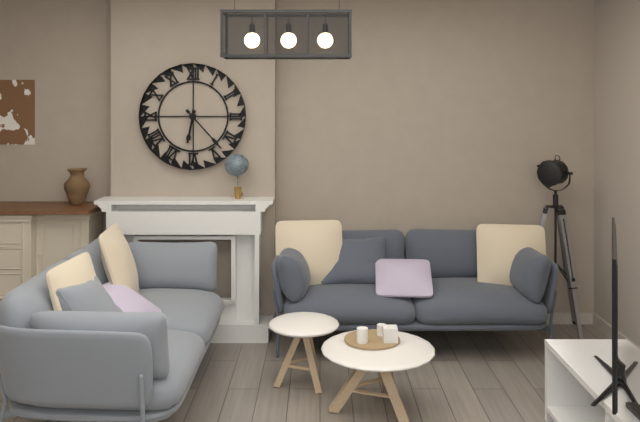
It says 6:23
